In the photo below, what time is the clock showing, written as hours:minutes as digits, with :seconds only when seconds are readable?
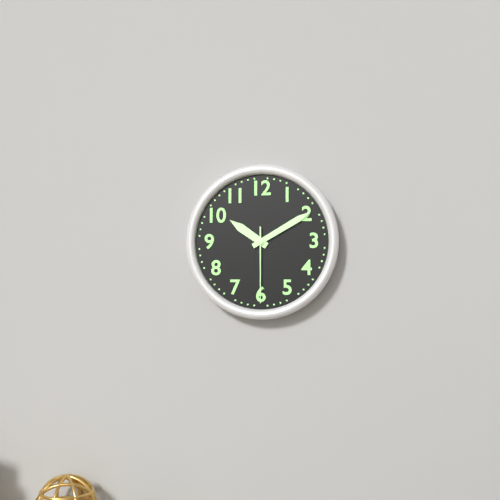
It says 10:10:30
